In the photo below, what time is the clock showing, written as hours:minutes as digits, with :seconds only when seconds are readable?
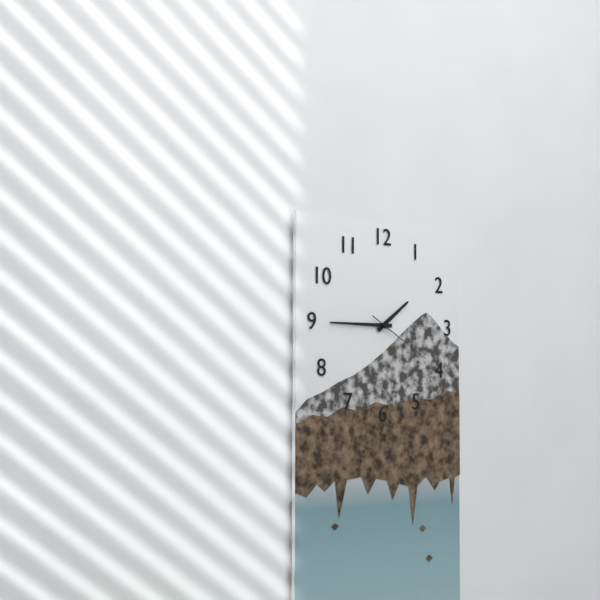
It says 1:45:20
